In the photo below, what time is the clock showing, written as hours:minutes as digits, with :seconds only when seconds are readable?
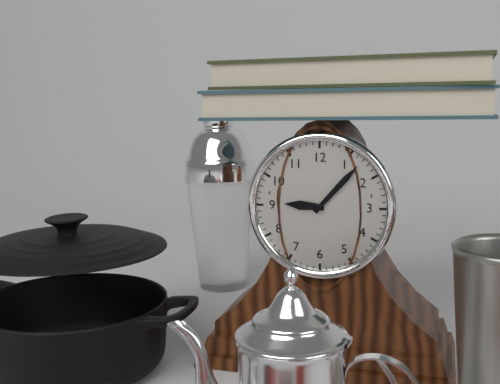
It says 9:07
